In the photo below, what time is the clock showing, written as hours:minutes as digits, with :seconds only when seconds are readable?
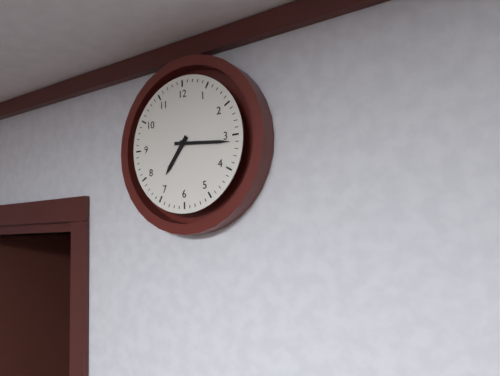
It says 7:16
